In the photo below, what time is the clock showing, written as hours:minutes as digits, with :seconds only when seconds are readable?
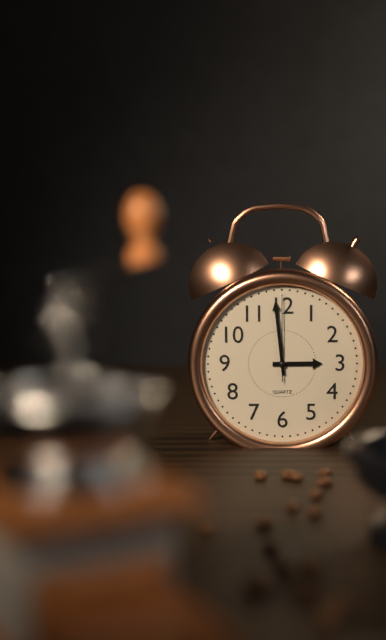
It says 2:59:00
